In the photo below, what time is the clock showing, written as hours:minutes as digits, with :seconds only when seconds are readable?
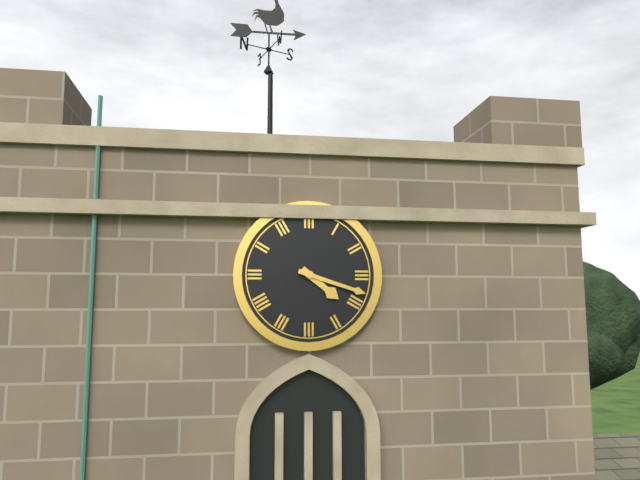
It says 4:18
